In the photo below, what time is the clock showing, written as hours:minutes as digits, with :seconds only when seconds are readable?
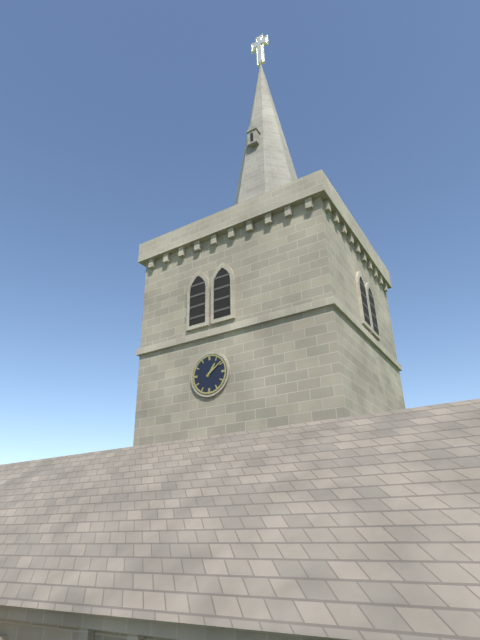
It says 1:09
